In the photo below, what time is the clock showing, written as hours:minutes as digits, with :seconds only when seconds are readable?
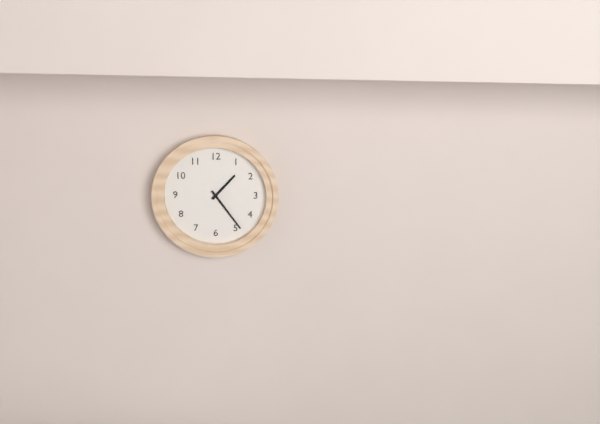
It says 1:24
